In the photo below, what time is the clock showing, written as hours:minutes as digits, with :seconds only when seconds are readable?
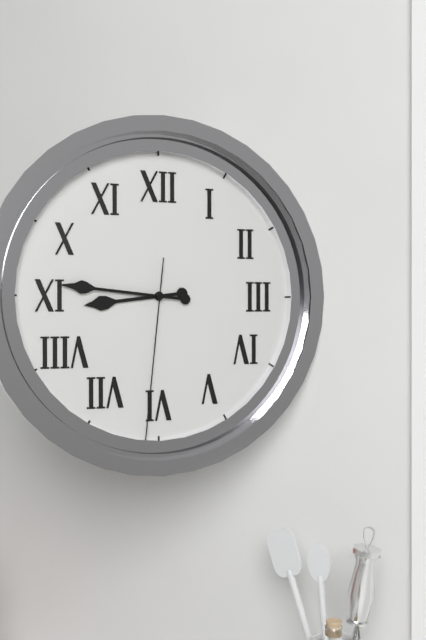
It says 8:46:31
